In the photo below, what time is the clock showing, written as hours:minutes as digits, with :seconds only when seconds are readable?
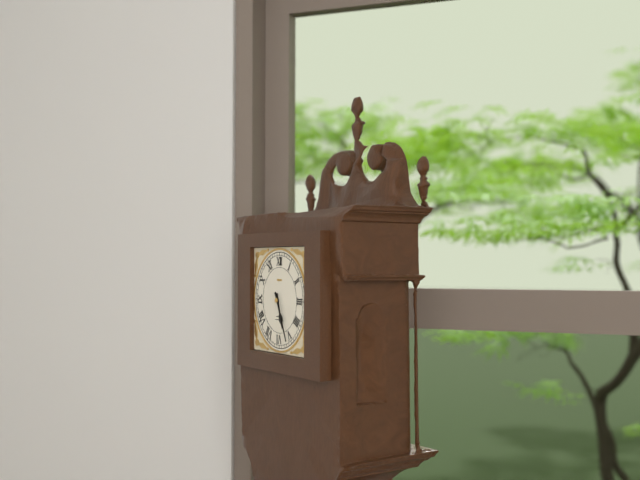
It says 5:26
